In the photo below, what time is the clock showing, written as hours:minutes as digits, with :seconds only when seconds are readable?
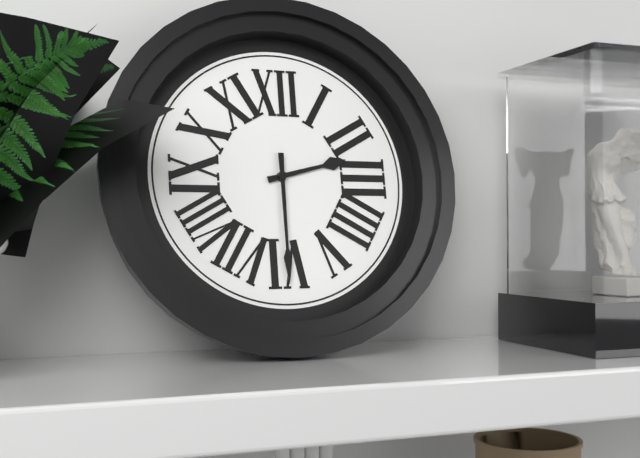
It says 2:30
